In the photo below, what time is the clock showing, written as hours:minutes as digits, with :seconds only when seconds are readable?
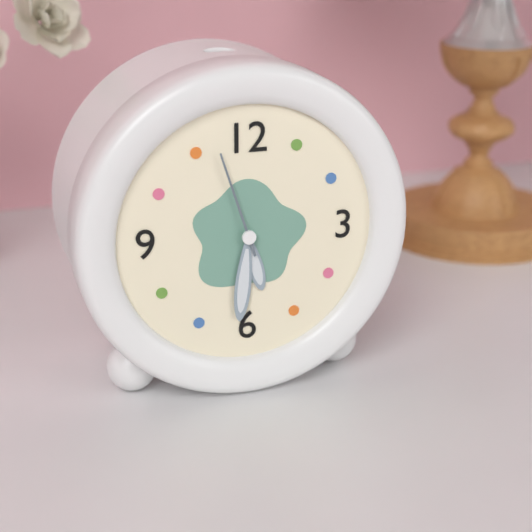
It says 5:31:57
